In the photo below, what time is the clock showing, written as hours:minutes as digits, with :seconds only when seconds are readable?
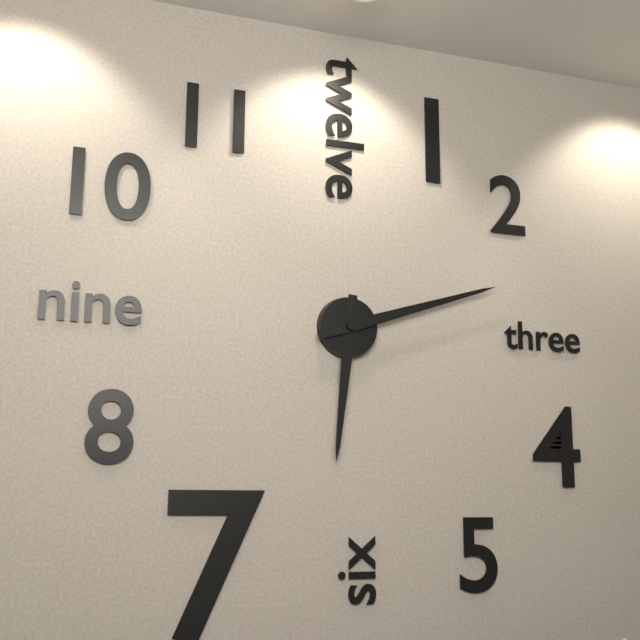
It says 6:12
